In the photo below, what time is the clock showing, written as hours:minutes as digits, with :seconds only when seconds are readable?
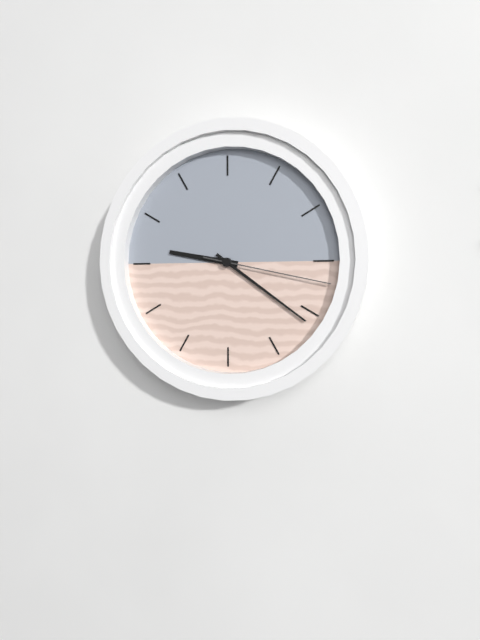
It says 9:21:17
